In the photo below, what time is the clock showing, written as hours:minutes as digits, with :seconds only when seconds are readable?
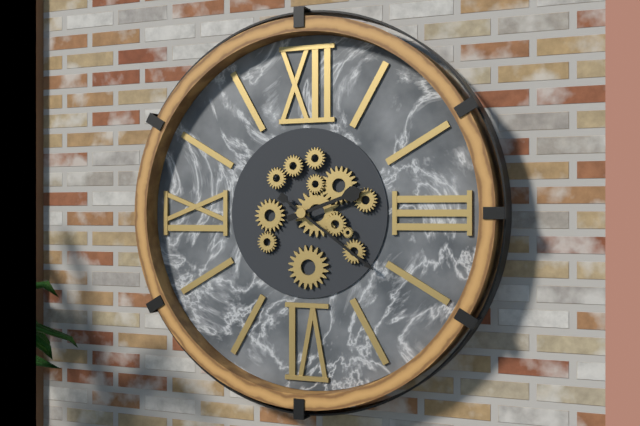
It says 2:21
